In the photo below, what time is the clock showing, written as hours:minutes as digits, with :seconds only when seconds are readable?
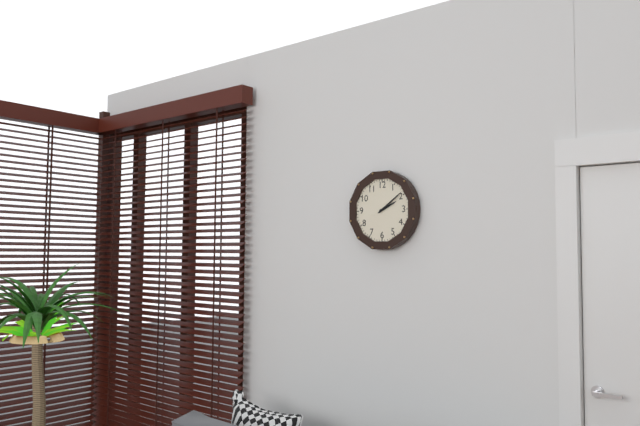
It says 2:09
